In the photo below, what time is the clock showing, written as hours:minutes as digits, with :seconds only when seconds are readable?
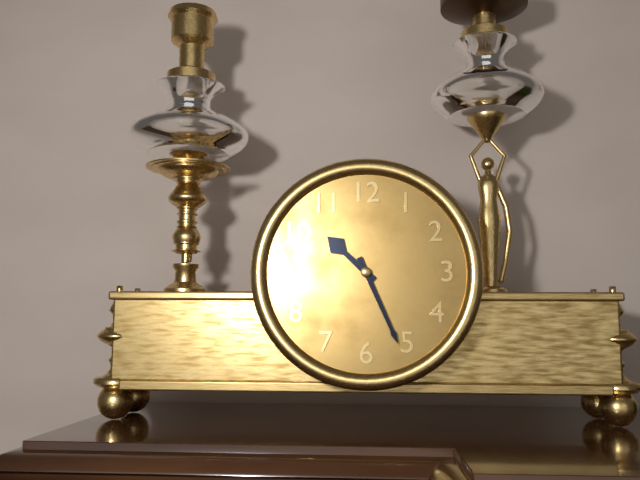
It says 10:26
